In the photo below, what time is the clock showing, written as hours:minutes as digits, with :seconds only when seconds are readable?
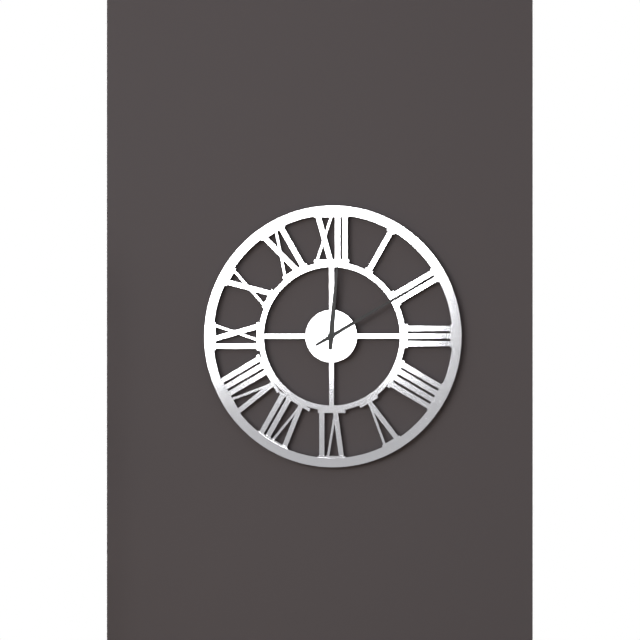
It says 12:10
